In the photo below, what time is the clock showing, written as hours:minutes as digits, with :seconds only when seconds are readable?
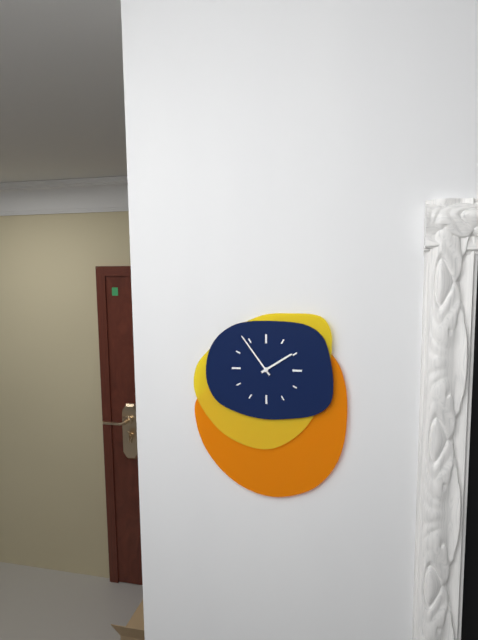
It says 1:54
